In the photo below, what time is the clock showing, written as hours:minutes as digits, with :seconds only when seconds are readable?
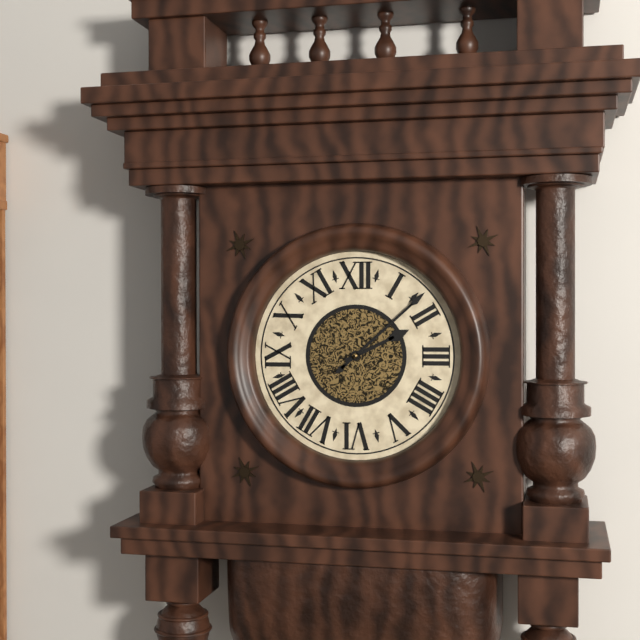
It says 2:08
